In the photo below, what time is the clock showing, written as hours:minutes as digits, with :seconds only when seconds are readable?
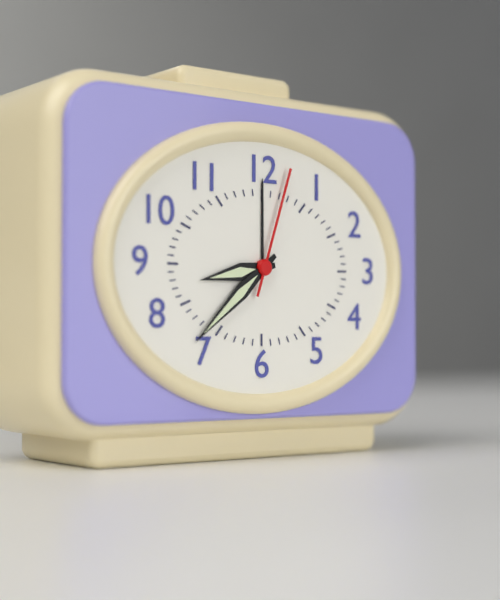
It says 8:38:03
